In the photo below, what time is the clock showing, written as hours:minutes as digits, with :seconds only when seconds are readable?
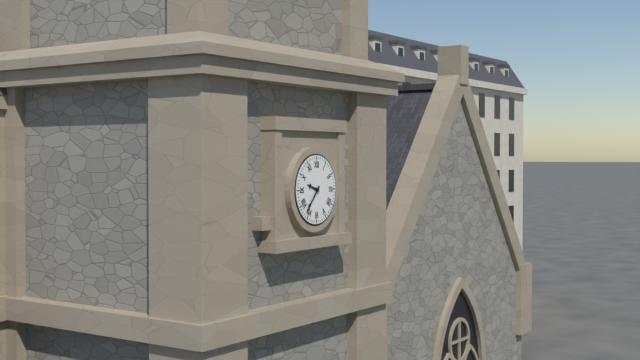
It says 9:37
